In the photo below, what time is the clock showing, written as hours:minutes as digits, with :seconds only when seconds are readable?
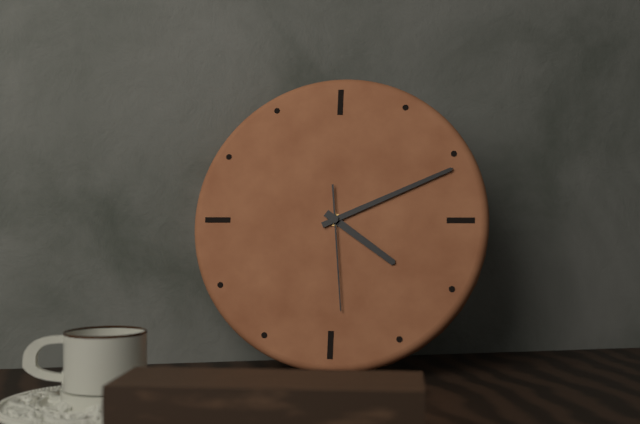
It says 4:11:29
